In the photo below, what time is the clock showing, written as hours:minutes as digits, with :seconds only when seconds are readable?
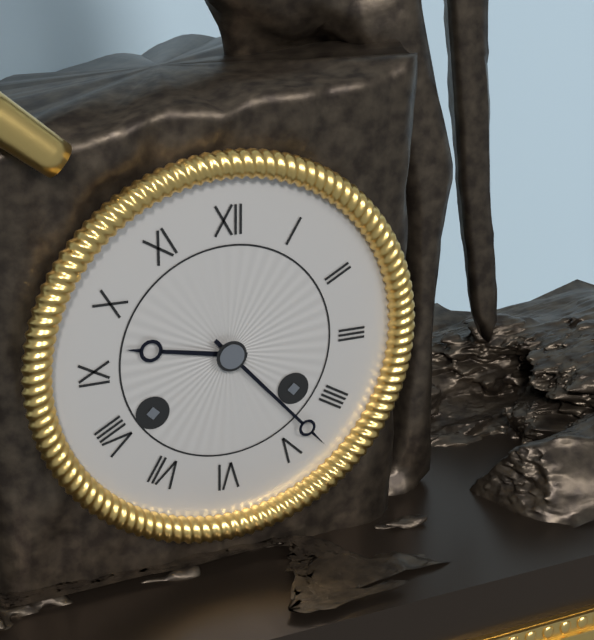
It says 9:23
